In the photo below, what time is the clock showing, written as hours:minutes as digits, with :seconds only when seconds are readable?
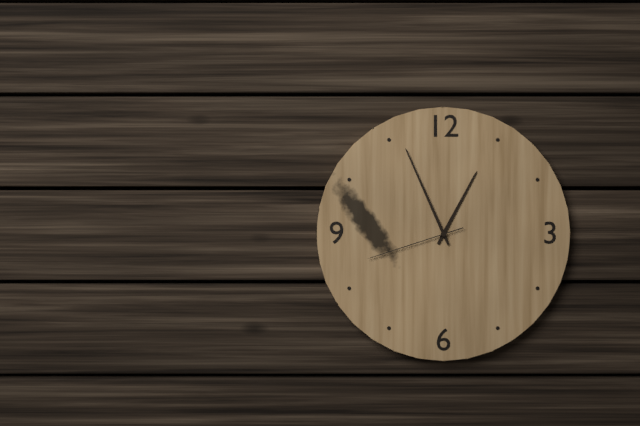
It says 12:56:42
